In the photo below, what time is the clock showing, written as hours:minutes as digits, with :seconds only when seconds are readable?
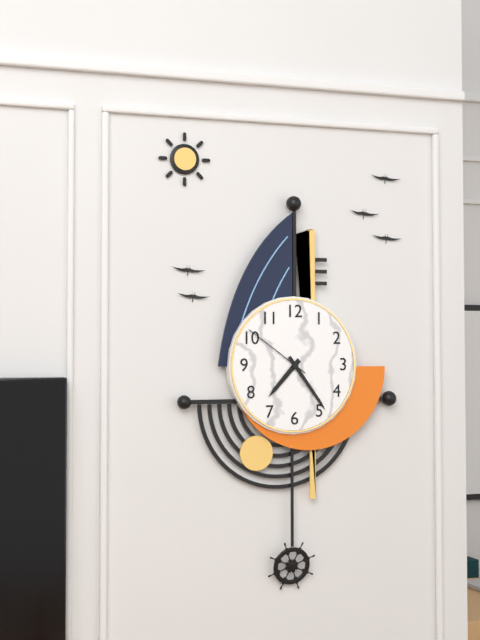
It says 7:24:51
